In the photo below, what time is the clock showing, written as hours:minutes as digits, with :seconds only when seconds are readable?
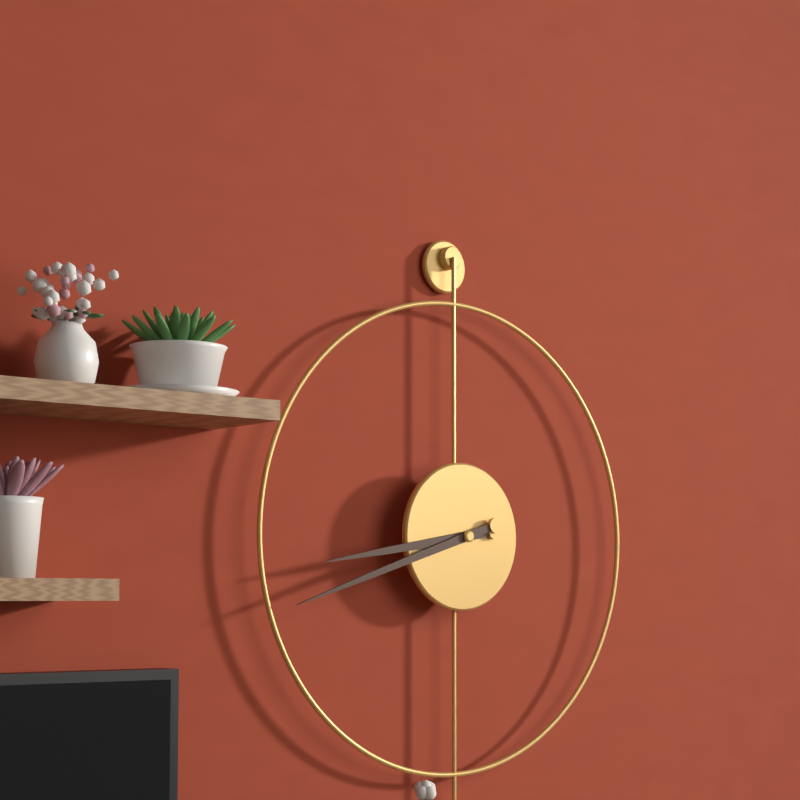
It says 8:42
